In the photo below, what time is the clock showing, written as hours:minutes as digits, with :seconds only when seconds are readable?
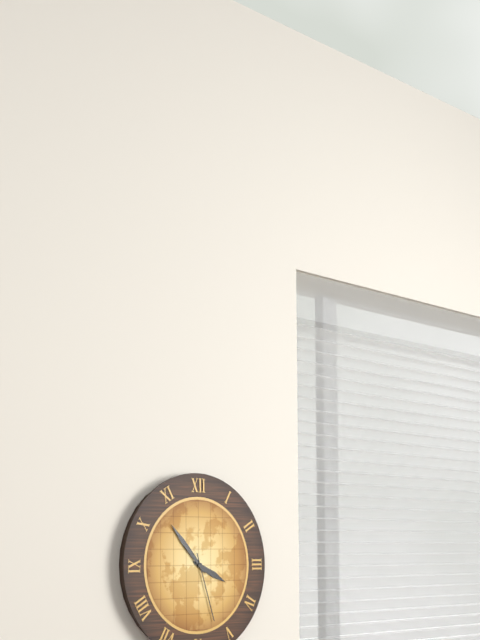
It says 3:53:27
